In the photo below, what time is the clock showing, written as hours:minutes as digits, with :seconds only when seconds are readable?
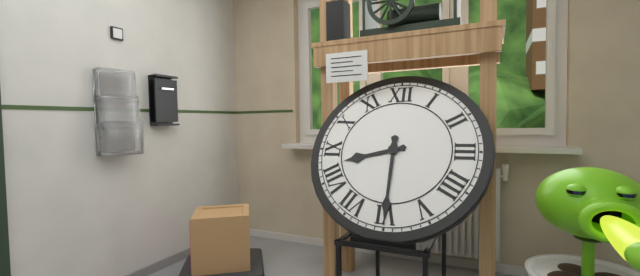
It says 8:30
